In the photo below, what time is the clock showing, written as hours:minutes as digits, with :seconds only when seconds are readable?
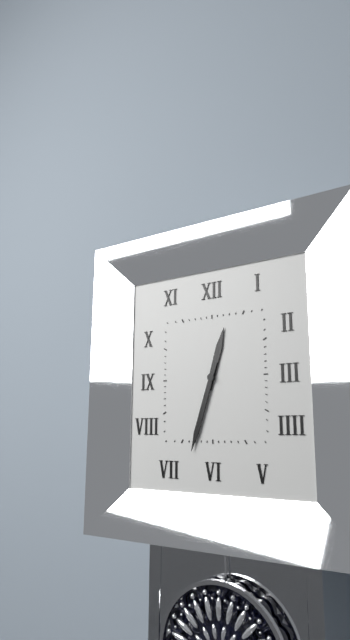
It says 12:33
